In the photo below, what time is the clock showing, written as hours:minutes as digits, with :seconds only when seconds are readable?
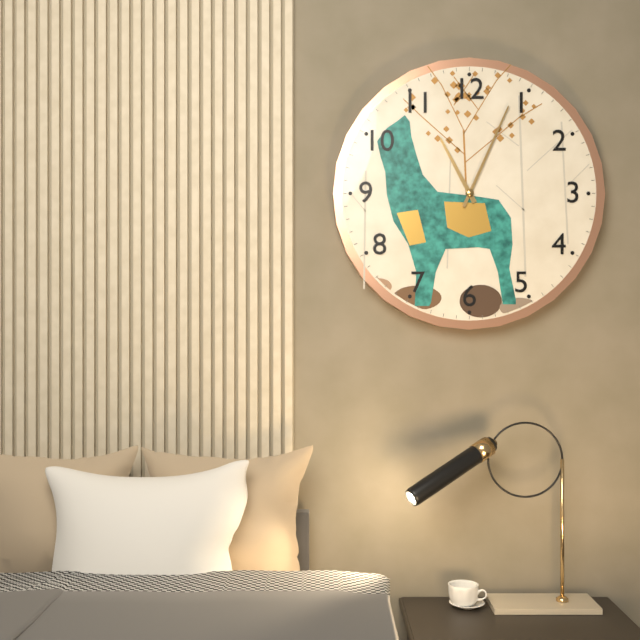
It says 11:04
